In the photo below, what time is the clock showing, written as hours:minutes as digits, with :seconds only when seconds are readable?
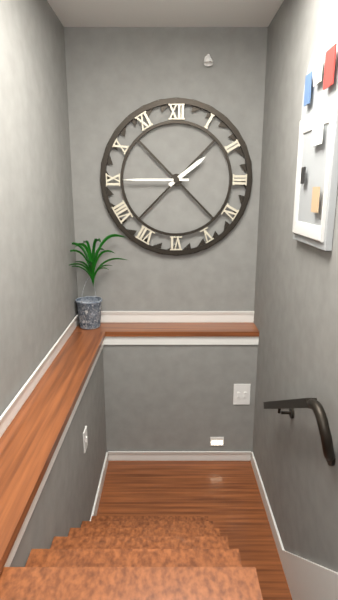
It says 1:45
